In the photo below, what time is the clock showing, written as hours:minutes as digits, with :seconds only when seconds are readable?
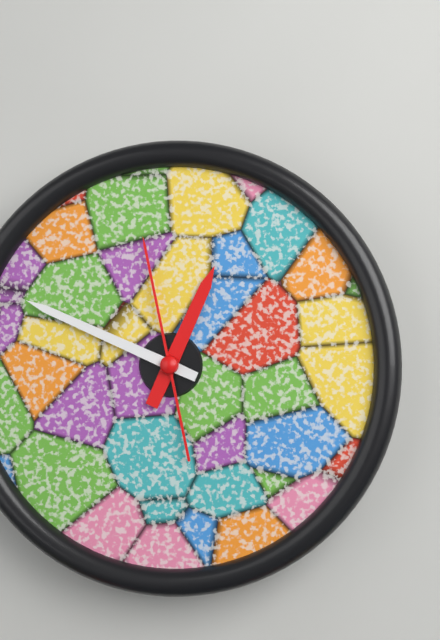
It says 12:49:58
